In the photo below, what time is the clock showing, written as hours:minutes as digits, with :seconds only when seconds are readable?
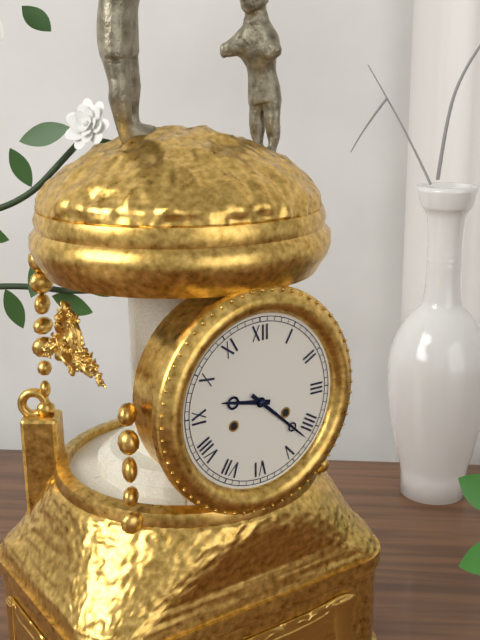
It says 9:22
